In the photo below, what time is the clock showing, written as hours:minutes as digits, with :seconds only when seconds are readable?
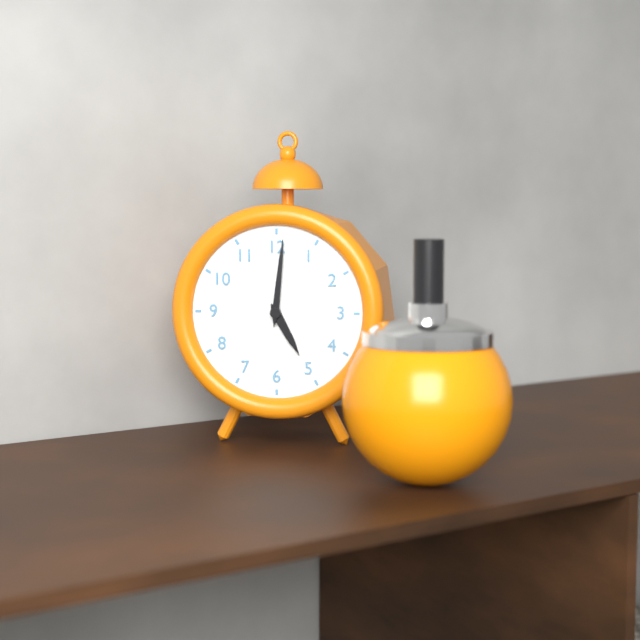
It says 5:01
